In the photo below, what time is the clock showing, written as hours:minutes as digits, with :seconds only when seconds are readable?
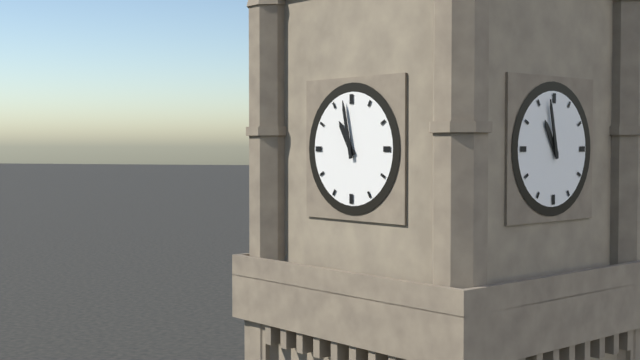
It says 10:58
